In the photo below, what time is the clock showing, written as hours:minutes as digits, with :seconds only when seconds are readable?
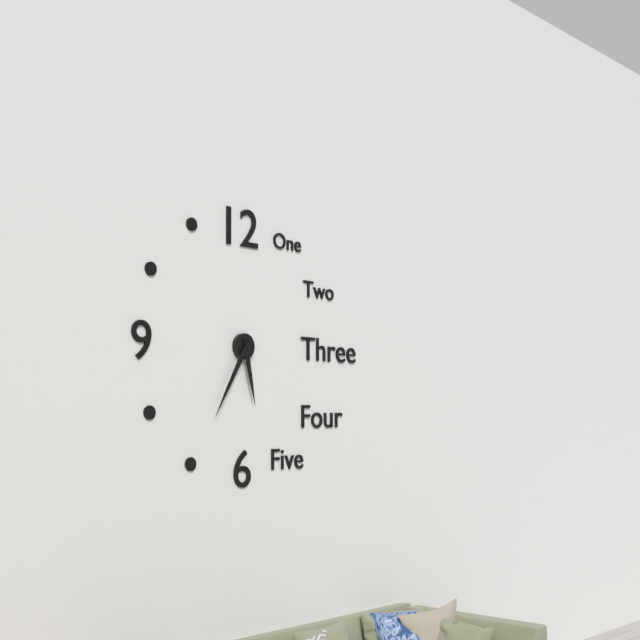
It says 5:35
